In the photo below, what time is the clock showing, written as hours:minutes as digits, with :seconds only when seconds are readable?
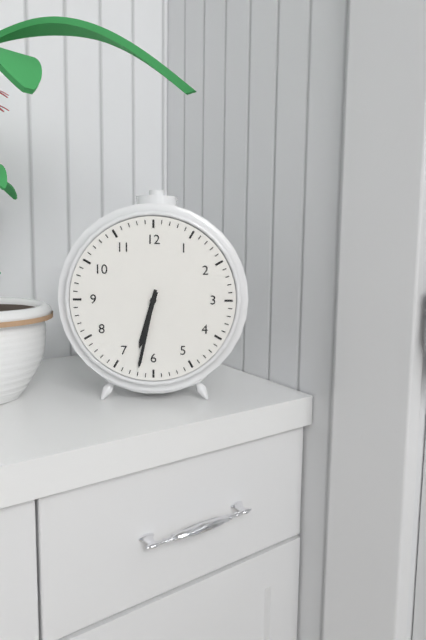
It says 6:32
